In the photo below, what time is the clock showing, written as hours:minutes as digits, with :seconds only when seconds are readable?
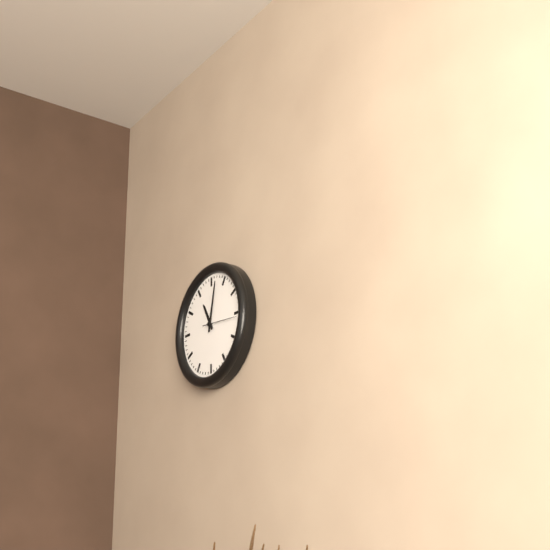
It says 11:02
